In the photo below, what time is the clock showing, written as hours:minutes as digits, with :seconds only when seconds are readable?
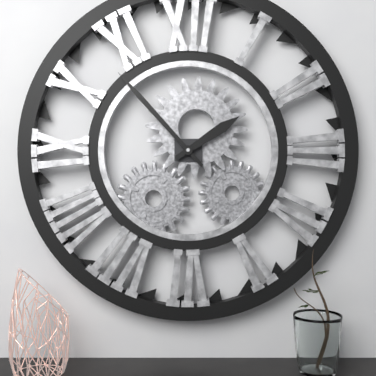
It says 1:53
